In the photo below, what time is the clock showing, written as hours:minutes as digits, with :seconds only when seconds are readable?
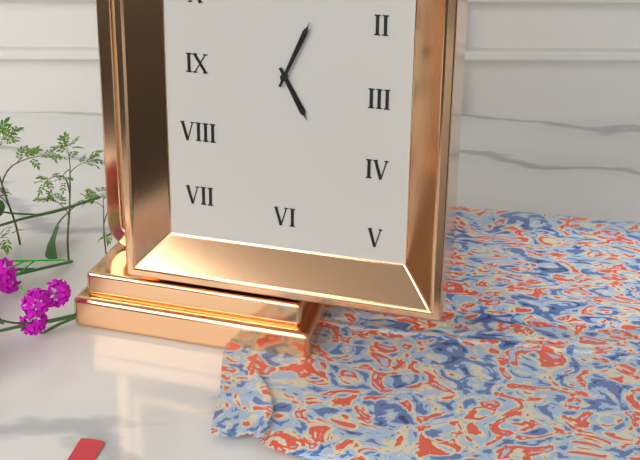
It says 5:04
